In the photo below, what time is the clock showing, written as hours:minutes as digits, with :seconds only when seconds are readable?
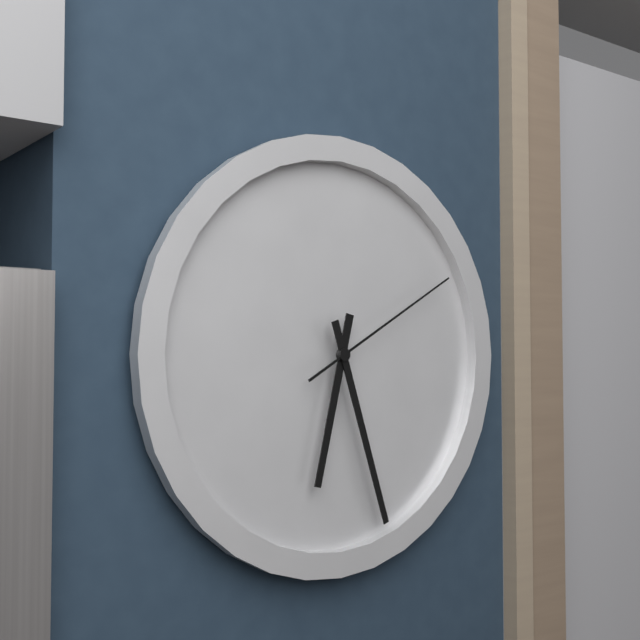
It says 6:27:10
